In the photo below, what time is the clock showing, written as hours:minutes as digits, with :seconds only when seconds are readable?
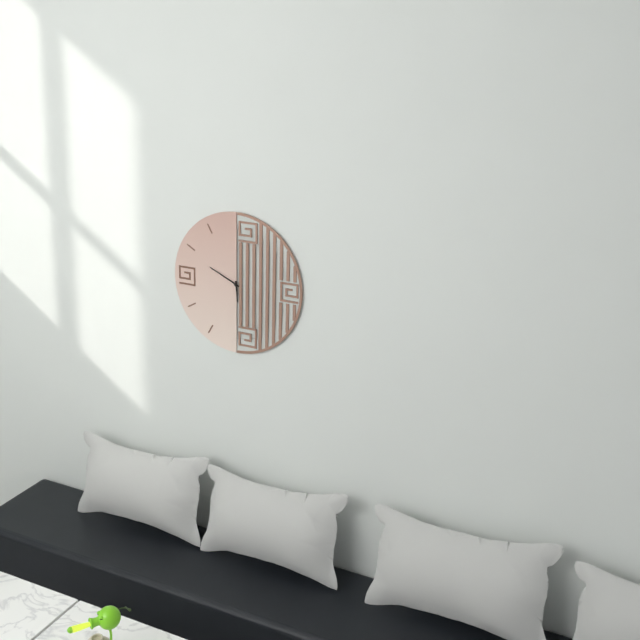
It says 5:49
